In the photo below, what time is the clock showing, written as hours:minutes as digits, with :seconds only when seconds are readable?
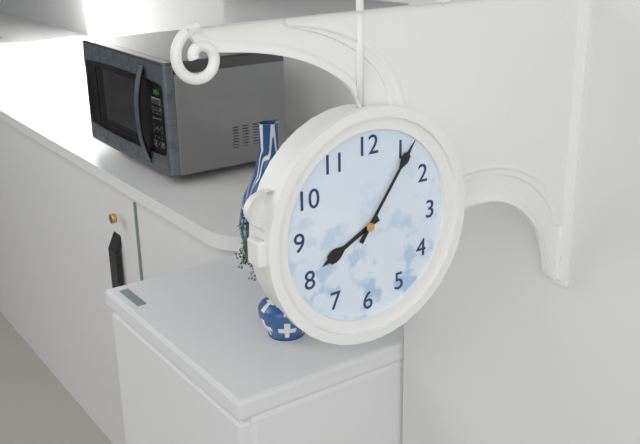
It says 8:06
